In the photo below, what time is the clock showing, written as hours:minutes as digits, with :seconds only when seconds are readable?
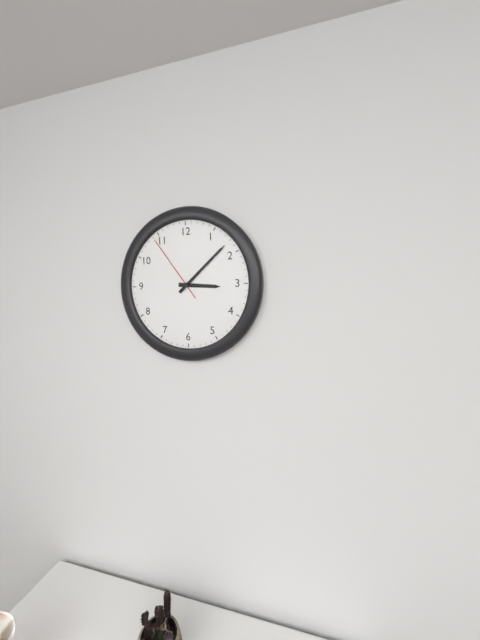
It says 3:08:54
